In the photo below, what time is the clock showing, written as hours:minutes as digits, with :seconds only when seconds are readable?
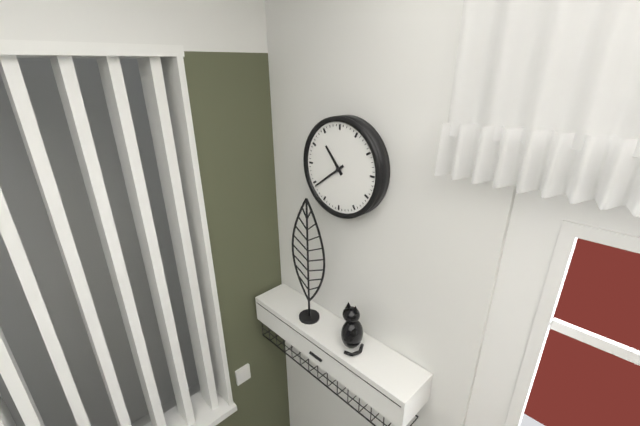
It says 10:39
